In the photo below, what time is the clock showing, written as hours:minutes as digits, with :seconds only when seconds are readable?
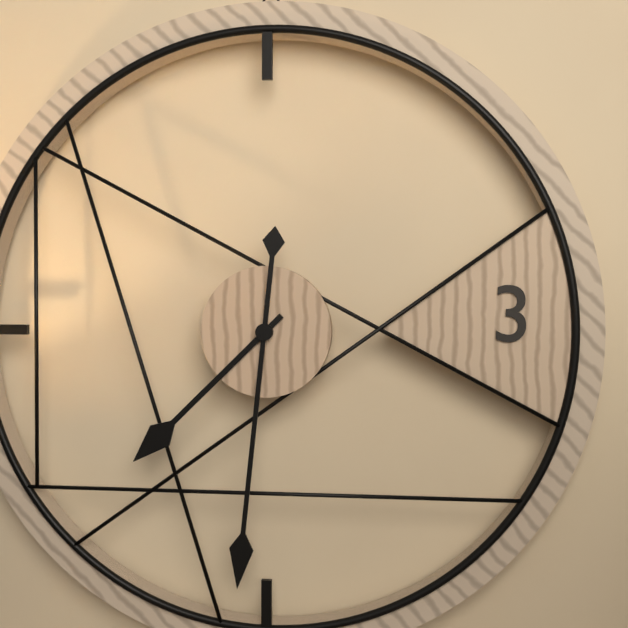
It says 7:31
